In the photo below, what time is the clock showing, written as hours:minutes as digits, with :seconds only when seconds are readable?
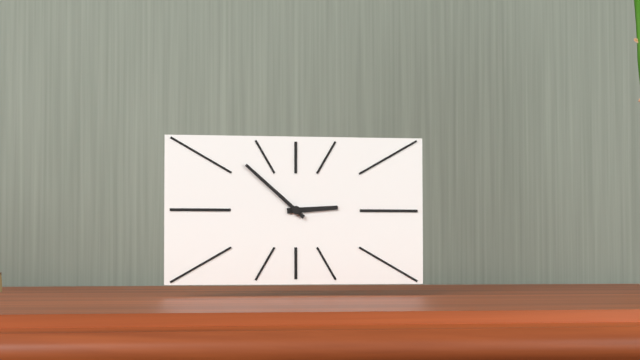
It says 2:52
